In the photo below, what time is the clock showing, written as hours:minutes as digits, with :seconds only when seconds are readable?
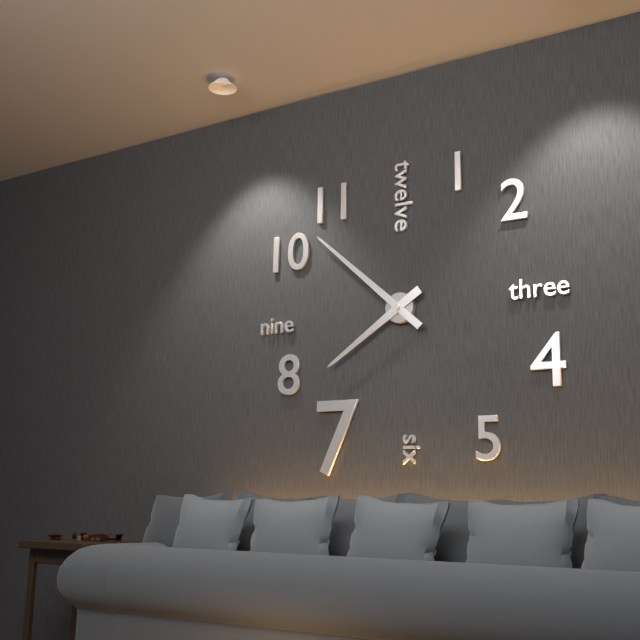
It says 7:52
